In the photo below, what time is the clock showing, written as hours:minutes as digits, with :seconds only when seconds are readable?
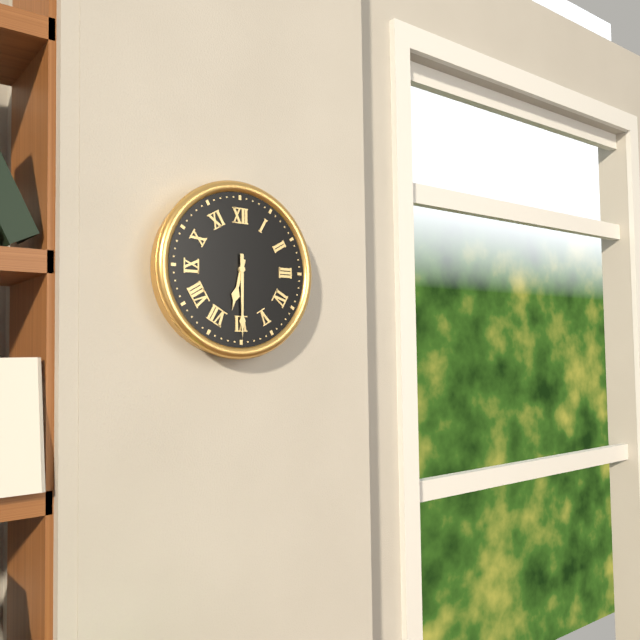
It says 6:30
